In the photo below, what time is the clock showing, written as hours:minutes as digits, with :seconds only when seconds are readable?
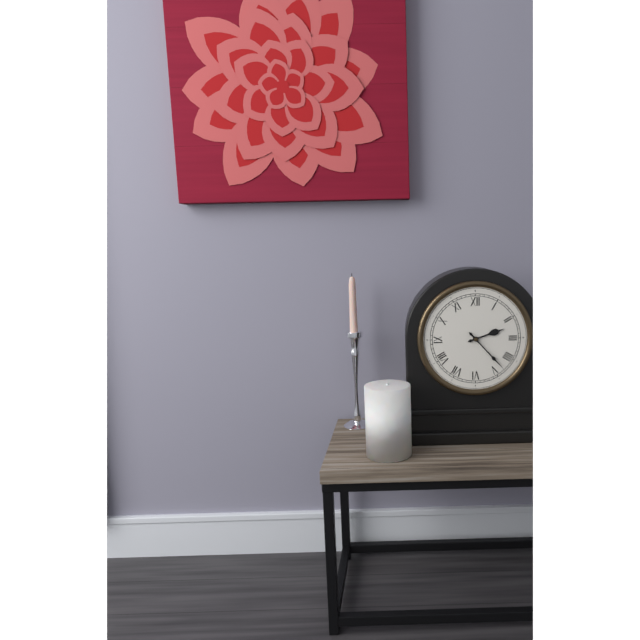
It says 2:23
